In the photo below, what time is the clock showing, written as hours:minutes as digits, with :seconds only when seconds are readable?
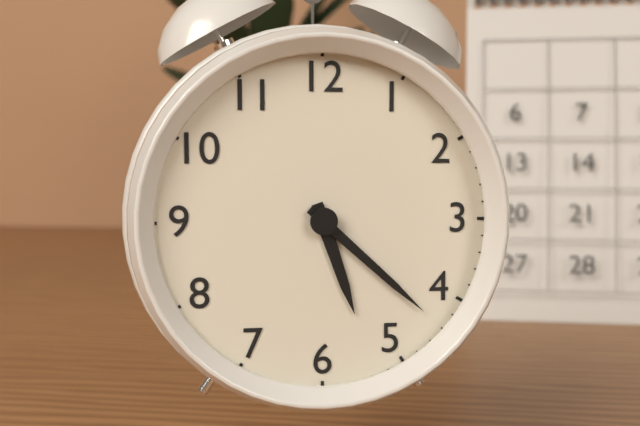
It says 5:22
